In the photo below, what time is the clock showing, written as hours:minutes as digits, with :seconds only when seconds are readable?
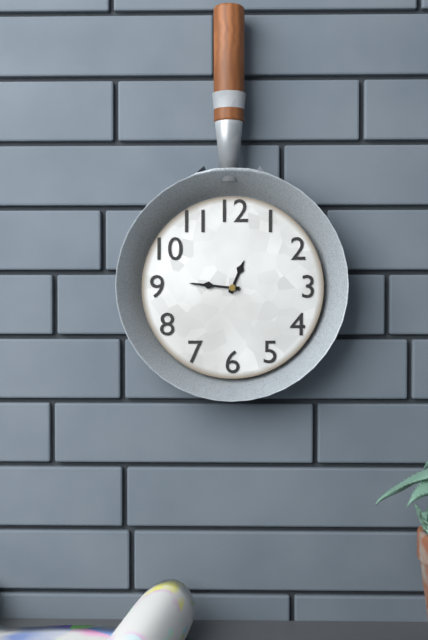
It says 12:46
